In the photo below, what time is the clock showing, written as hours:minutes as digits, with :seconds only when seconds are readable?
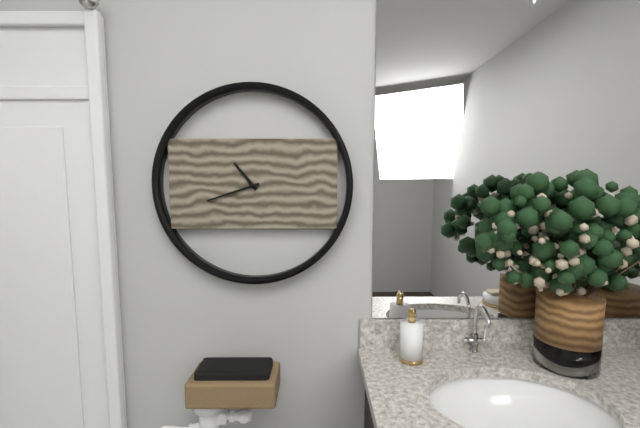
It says 10:42
